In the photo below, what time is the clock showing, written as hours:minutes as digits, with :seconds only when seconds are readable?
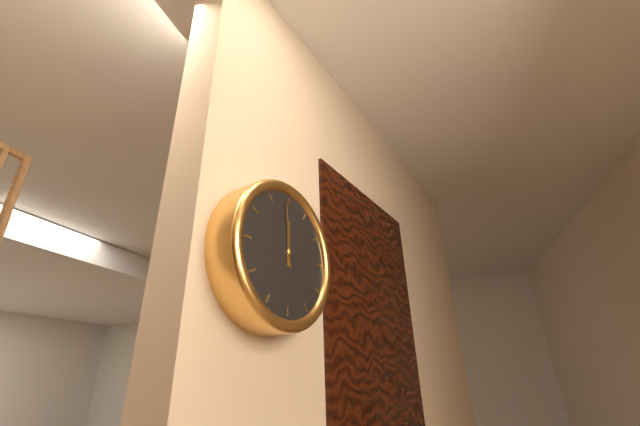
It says 11:59
